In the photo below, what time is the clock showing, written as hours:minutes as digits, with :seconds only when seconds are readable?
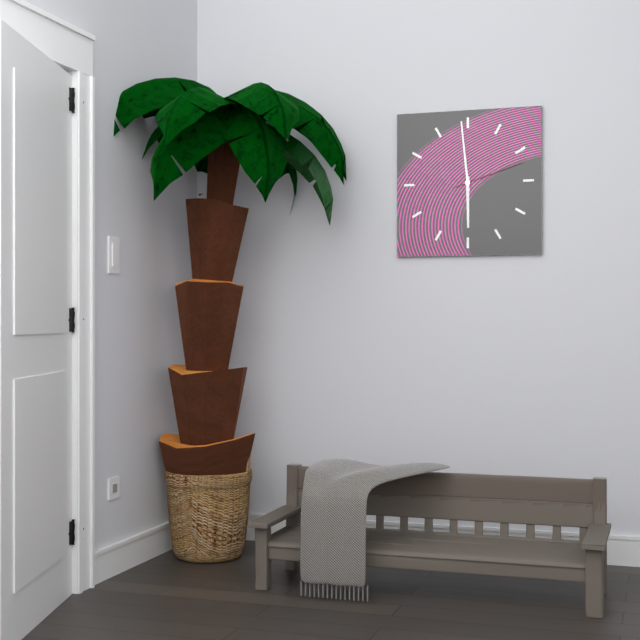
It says 5:59:12
